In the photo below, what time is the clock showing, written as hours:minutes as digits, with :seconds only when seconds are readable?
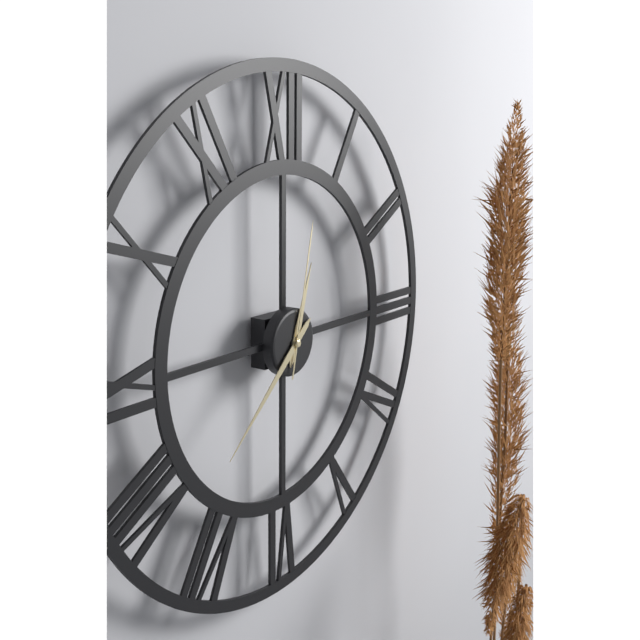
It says 12:38:02
